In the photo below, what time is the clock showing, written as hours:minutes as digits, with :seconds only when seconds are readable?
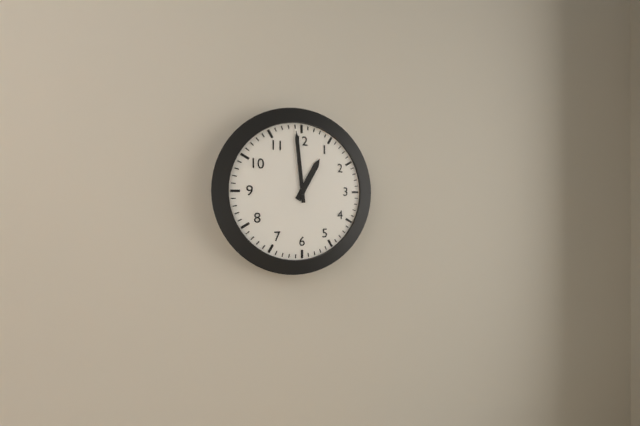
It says 12:59
